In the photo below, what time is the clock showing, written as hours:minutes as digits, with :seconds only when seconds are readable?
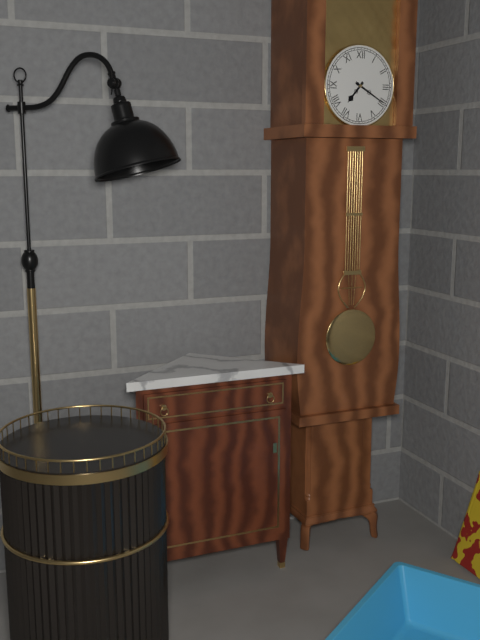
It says 7:20
